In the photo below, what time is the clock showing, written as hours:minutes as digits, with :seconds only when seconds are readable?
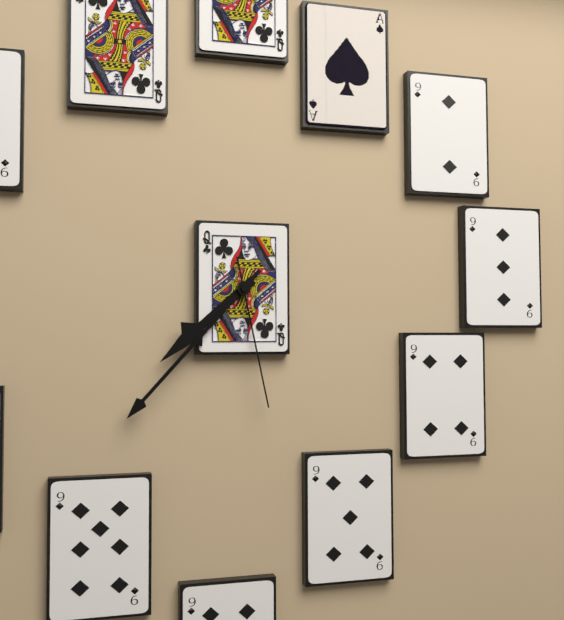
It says 7:37:28
